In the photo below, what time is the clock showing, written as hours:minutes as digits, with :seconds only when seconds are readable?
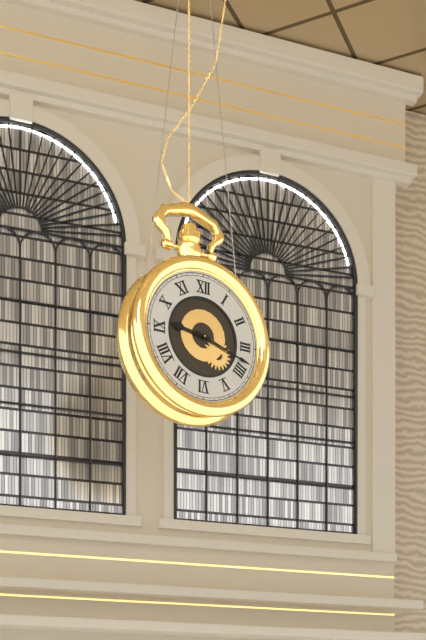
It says 9:18
